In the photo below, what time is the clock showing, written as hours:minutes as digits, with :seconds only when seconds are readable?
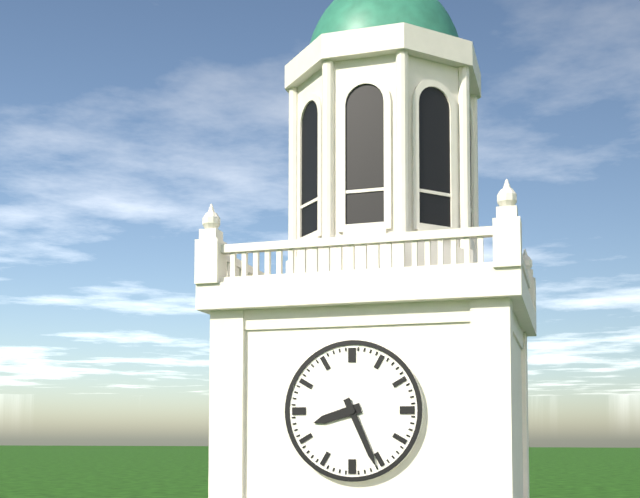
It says 8:26
